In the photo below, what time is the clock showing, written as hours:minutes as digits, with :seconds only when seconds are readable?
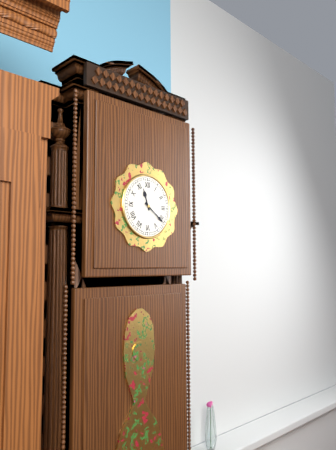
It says 11:21
